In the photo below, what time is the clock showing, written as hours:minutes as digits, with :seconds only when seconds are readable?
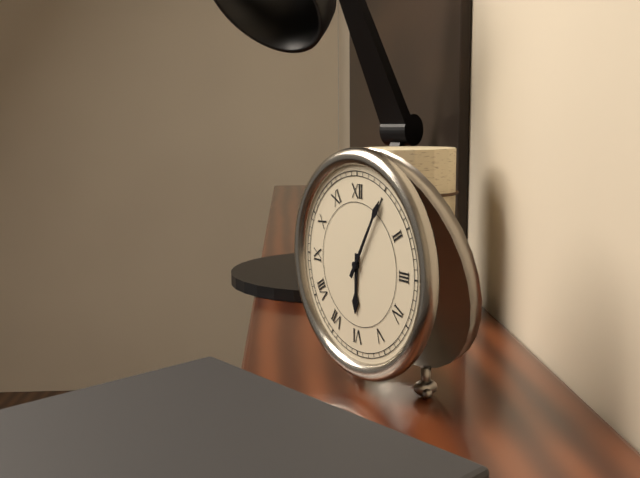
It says 6:05
